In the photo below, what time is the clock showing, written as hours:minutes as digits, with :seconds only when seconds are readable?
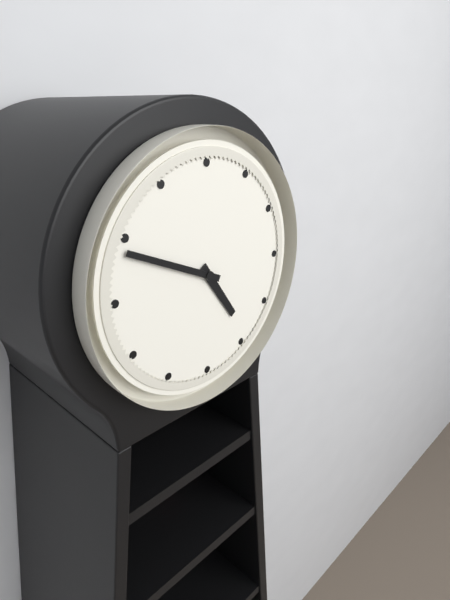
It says 4:49
